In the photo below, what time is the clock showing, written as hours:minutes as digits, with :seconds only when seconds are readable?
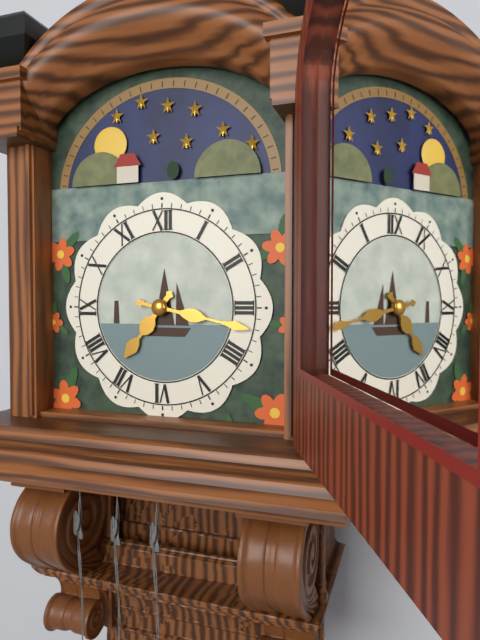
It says 7:17
